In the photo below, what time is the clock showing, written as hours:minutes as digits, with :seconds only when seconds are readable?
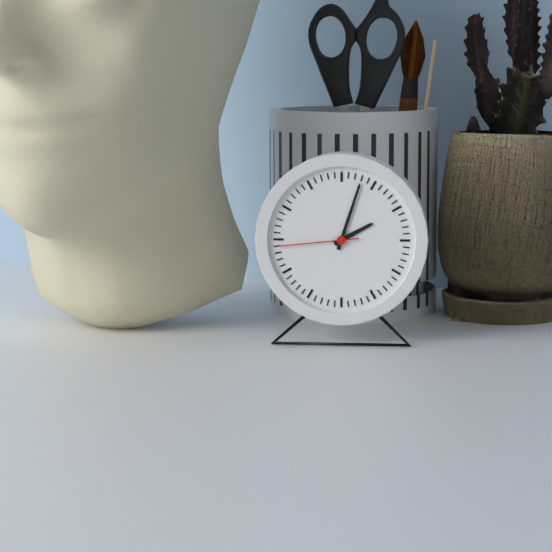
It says 2:03:44
